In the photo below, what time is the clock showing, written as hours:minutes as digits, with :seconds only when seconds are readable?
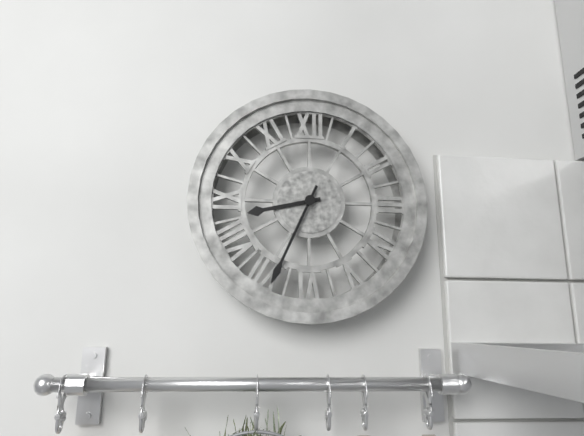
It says 8:34
